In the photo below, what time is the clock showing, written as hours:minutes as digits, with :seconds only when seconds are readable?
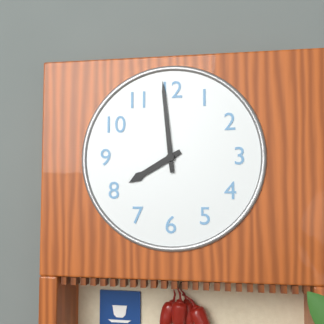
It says 7:59
